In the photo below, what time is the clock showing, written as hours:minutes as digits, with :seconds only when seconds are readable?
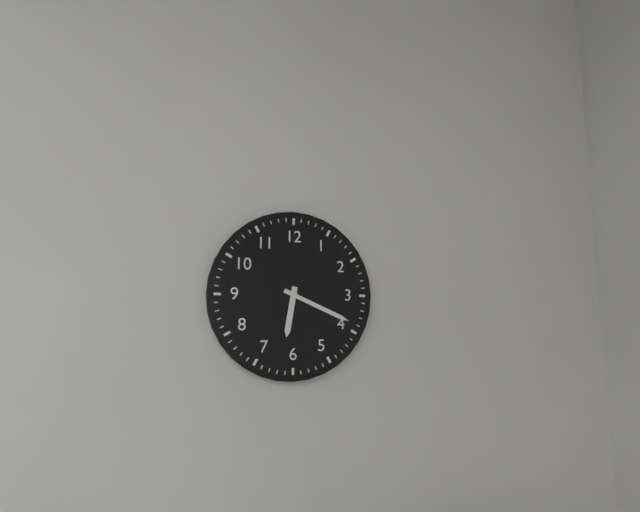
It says 6:19
